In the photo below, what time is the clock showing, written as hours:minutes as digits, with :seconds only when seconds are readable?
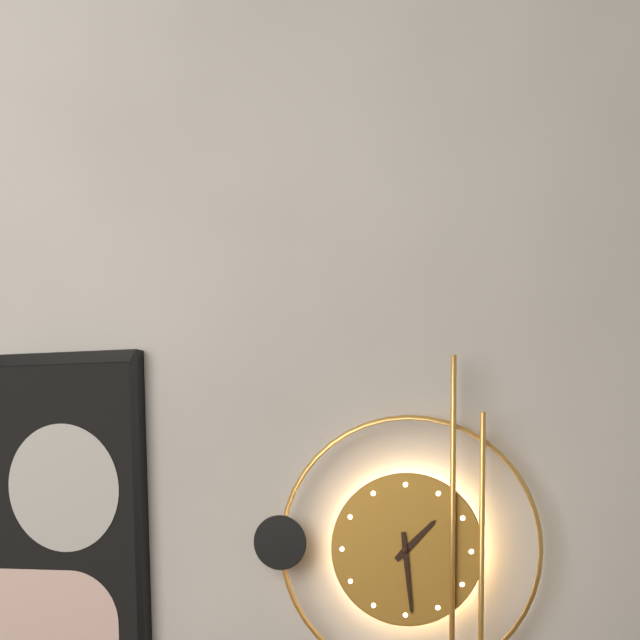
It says 1:29
